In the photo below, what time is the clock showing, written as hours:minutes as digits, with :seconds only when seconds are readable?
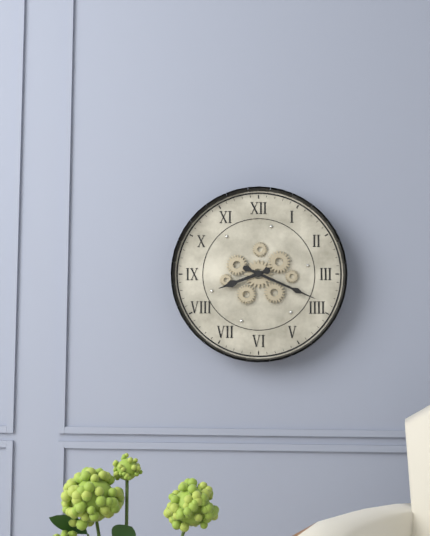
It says 8:19
